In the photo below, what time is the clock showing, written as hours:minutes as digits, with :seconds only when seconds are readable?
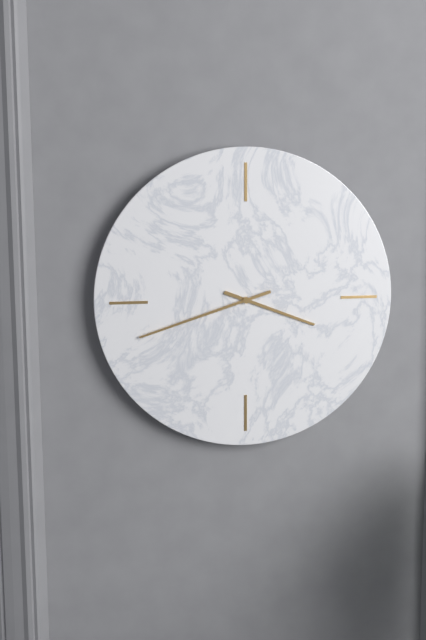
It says 3:42
